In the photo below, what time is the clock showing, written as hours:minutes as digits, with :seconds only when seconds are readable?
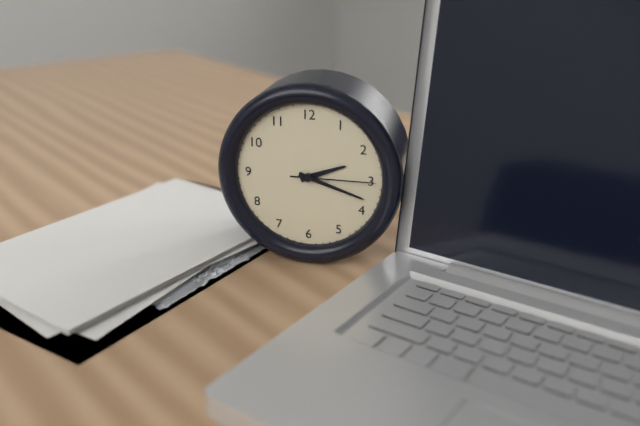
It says 2:18:15
